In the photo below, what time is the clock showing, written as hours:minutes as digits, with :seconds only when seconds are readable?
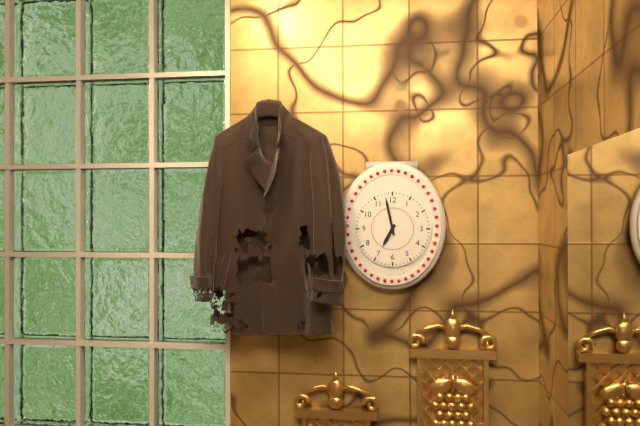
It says 6:58
